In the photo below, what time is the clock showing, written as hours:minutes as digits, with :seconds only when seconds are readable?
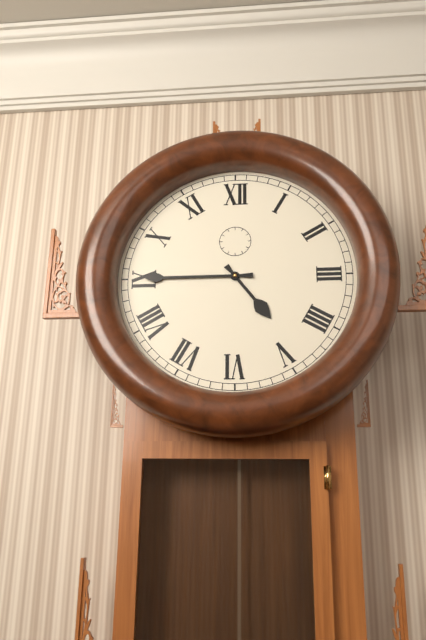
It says 4:45
